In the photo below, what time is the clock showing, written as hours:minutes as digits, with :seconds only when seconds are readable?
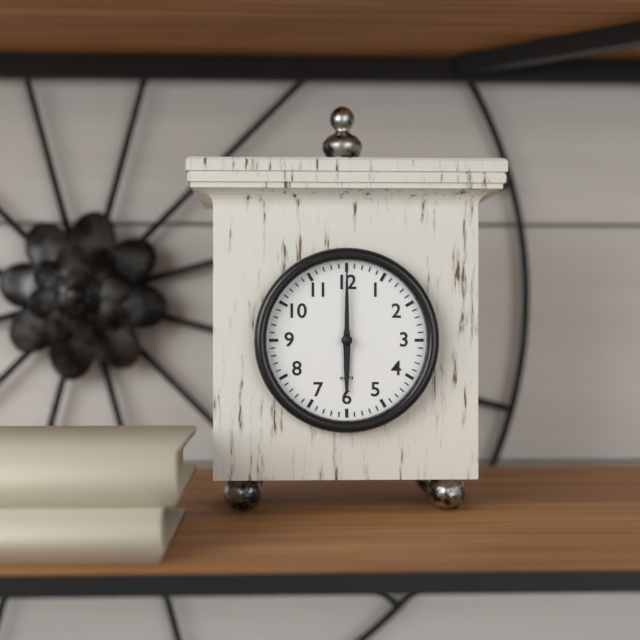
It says 6:00
